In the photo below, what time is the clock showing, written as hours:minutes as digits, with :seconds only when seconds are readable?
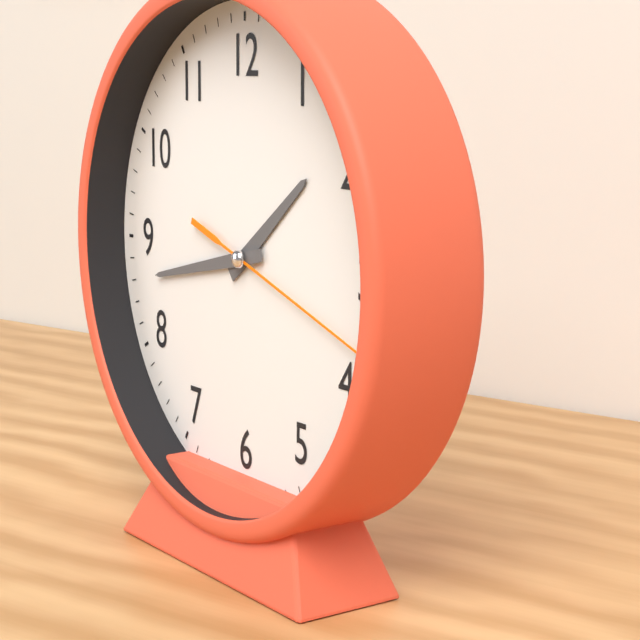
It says 1:43:18
